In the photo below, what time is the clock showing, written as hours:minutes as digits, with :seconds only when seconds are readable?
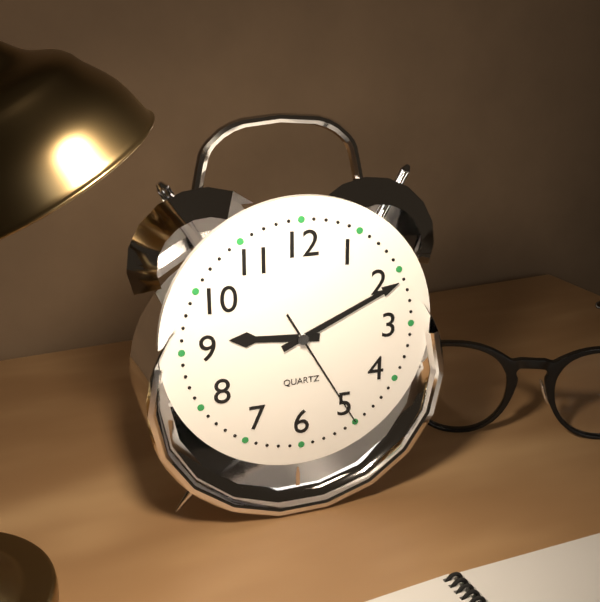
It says 9:11:25
